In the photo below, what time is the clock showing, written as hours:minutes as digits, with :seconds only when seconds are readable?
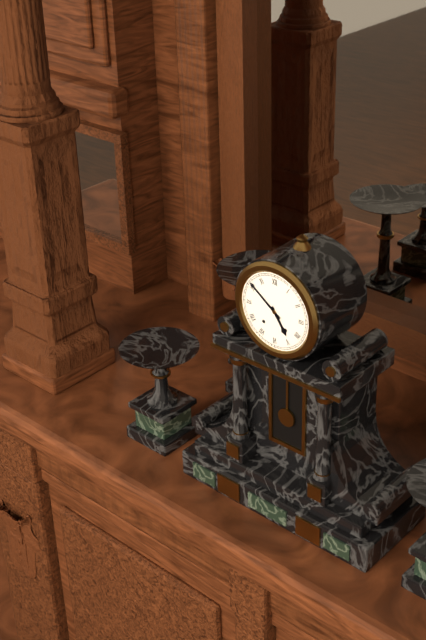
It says 4:51
